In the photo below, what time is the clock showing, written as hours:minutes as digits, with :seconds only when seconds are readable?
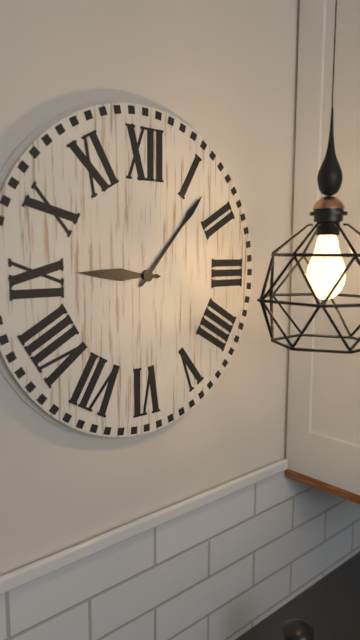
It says 9:07
